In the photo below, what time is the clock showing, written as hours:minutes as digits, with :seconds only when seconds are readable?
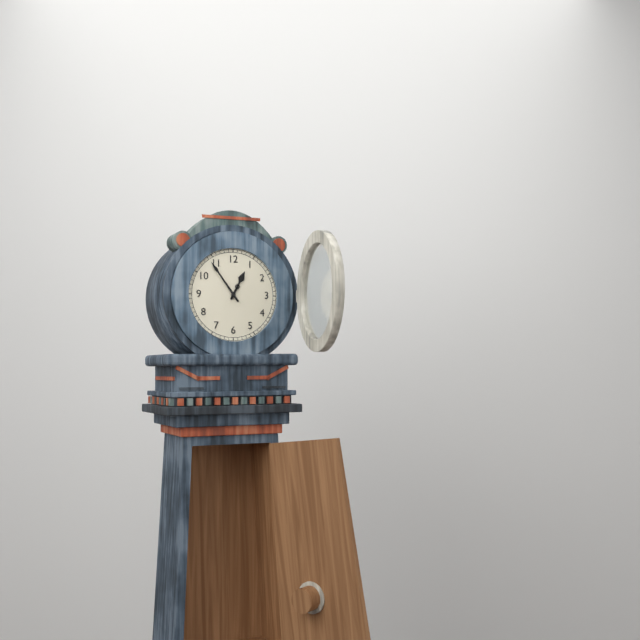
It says 12:54
